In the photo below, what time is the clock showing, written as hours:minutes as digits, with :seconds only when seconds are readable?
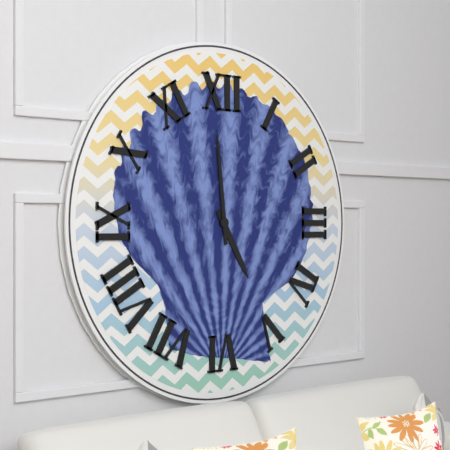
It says 4:59
